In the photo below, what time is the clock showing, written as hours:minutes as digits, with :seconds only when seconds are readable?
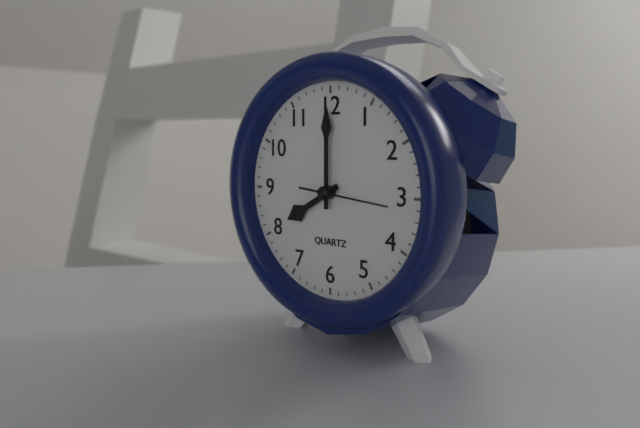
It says 8:00:16
